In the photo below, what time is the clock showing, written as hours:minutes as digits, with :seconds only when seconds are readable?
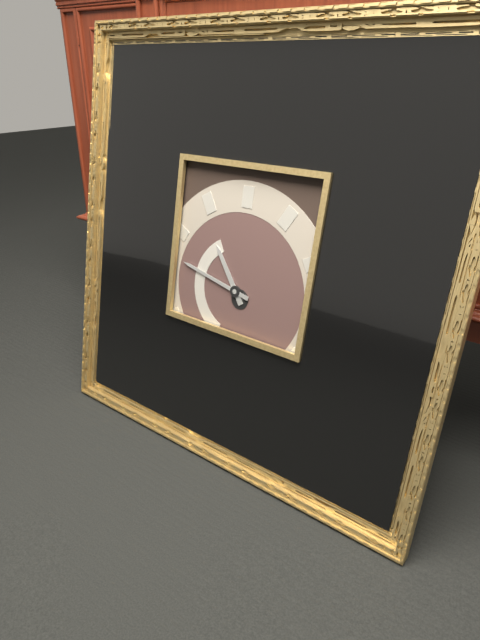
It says 10:47
